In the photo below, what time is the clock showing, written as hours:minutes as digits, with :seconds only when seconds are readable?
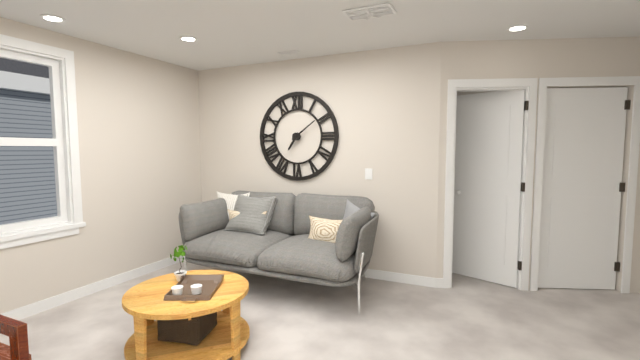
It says 7:09
